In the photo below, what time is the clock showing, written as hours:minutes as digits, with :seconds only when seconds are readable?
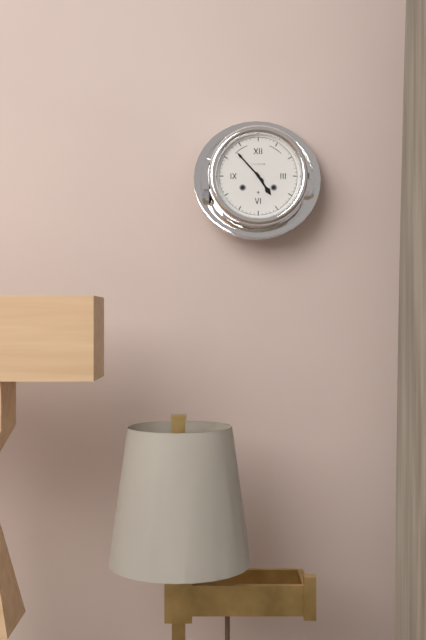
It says 4:53
